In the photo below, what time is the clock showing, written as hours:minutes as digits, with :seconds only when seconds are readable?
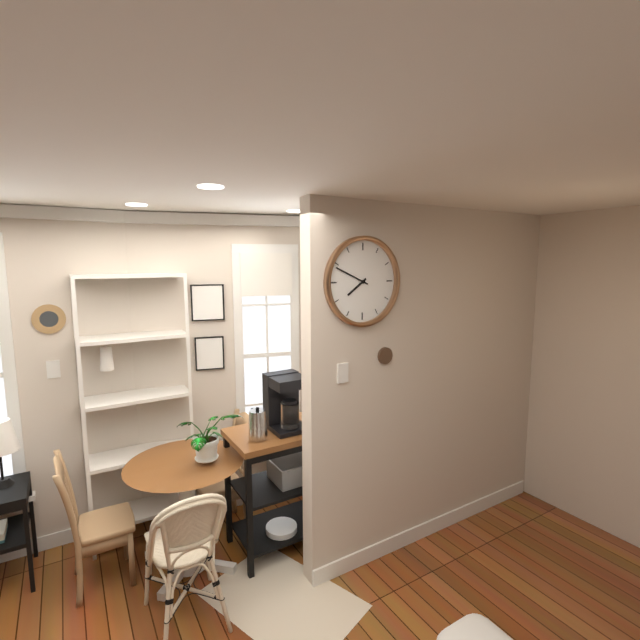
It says 7:49
